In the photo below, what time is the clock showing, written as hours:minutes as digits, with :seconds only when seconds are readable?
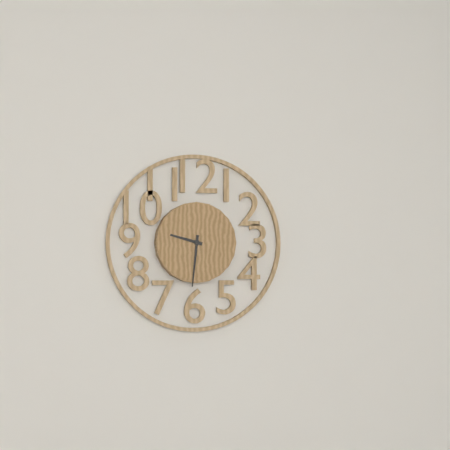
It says 9:31
